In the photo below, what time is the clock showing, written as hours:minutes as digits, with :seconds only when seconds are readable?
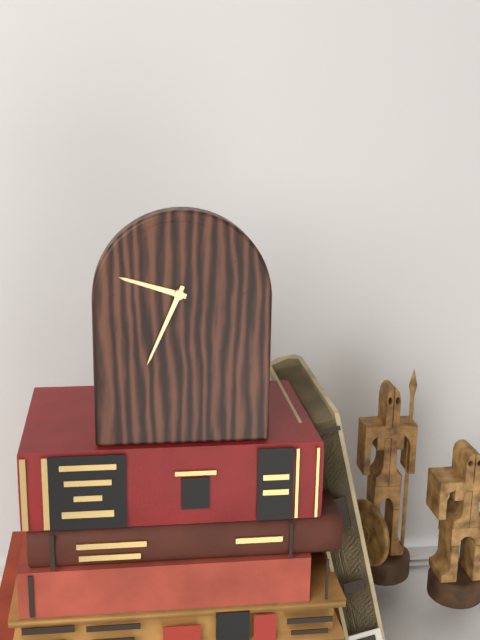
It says 9:34
